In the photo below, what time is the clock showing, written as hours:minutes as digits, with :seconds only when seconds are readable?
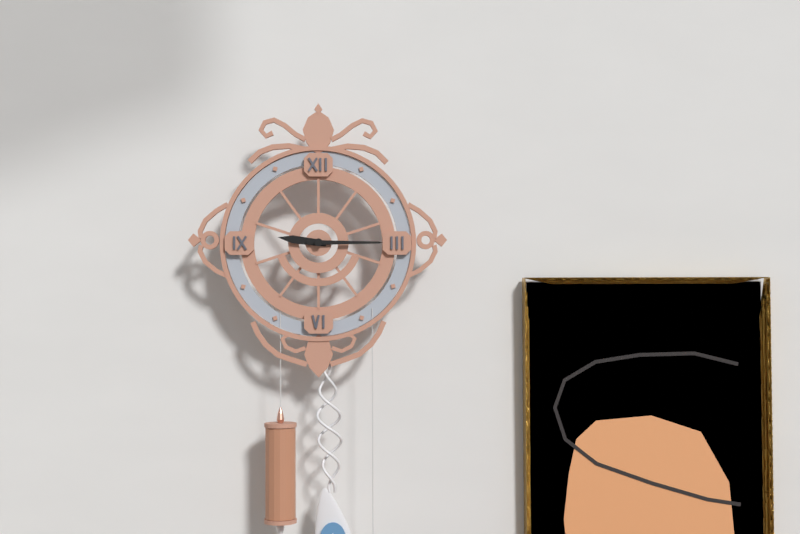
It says 9:15
